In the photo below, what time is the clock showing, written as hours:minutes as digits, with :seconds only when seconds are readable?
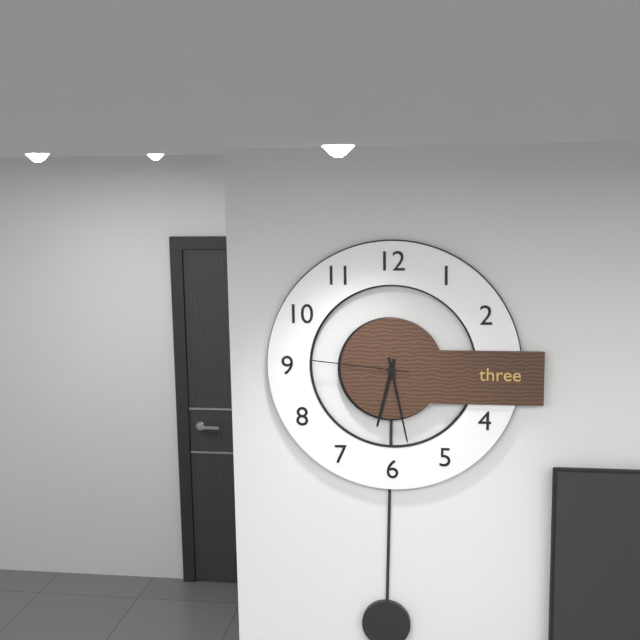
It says 6:28:46
